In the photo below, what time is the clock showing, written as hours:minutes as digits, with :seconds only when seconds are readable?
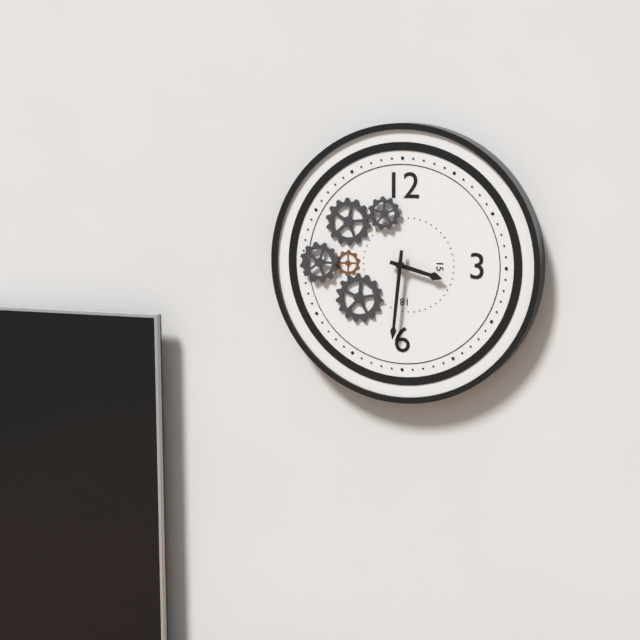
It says 3:31
